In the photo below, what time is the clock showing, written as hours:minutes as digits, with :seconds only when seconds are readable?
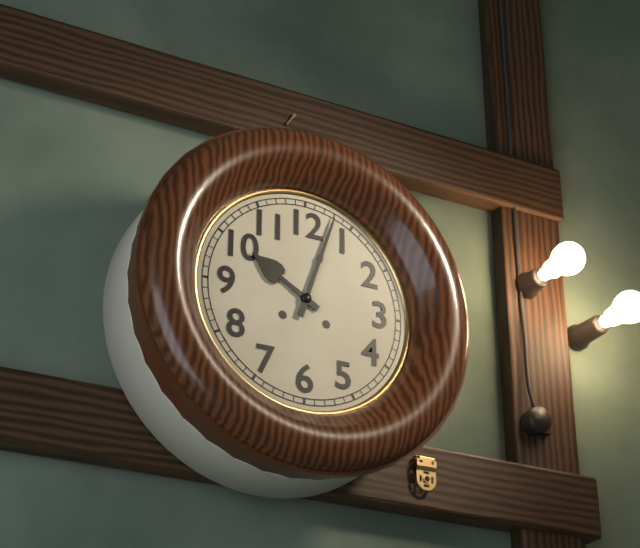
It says 10:03
